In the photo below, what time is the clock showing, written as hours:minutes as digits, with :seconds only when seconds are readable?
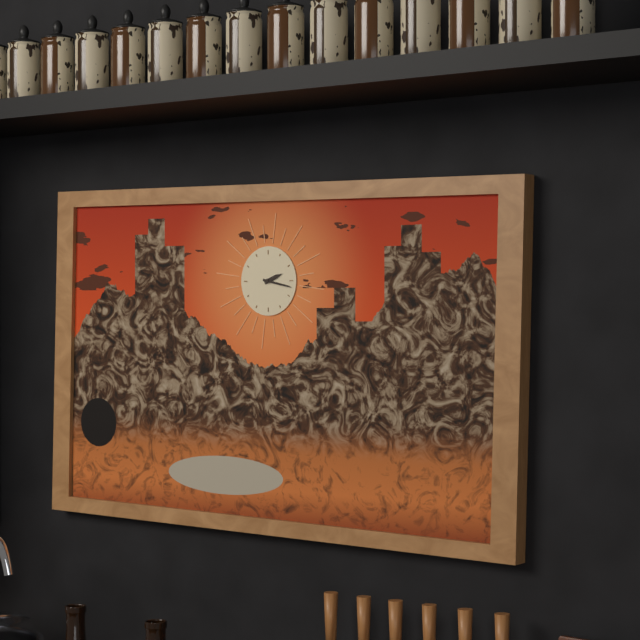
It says 2:17
